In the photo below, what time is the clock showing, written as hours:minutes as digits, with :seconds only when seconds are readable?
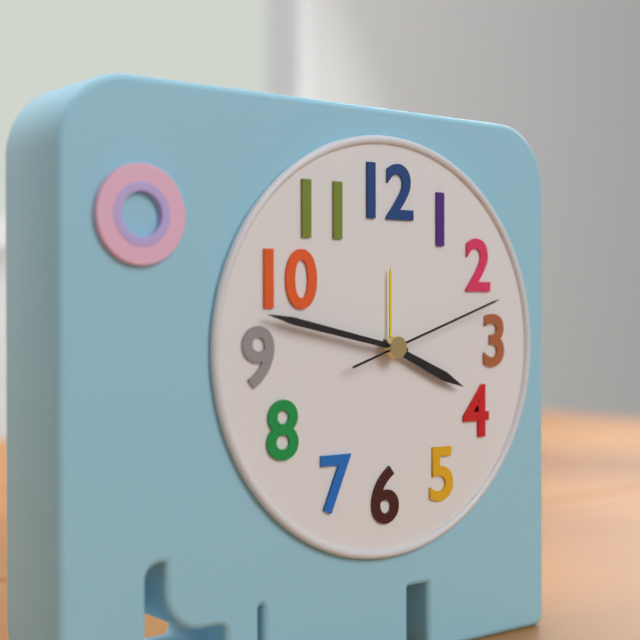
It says 3:47:12
